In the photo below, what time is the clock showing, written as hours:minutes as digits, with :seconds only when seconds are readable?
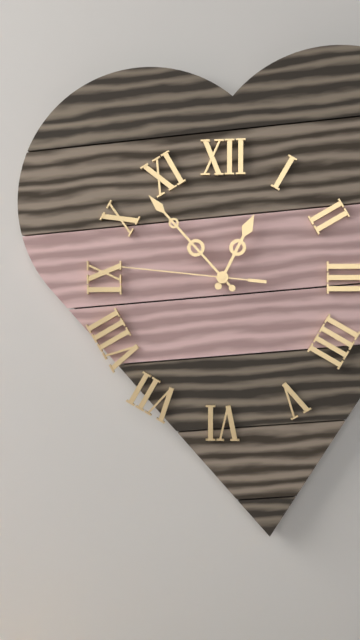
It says 12:53:46
